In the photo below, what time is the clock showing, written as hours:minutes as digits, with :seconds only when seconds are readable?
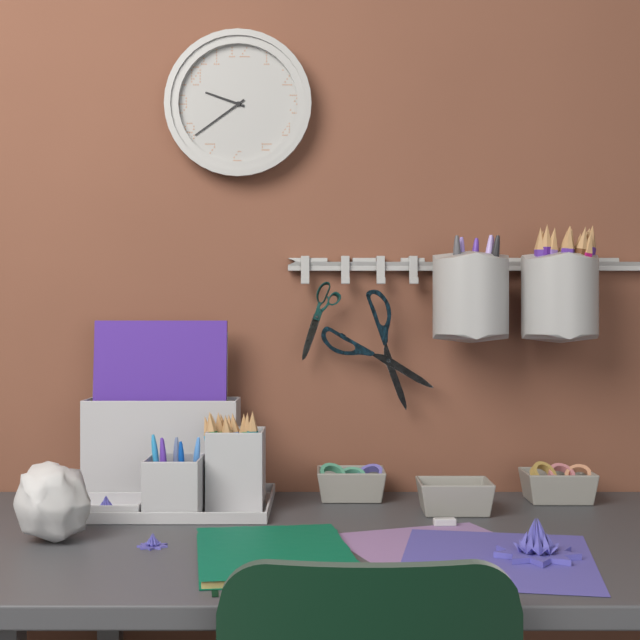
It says 9:39
